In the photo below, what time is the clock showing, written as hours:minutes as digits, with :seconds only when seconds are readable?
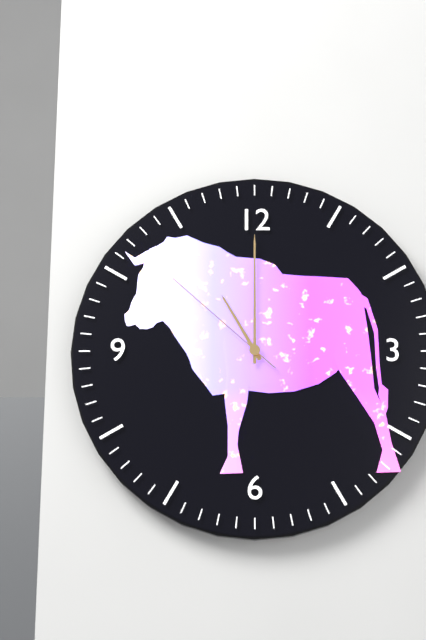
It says 11:00:52
